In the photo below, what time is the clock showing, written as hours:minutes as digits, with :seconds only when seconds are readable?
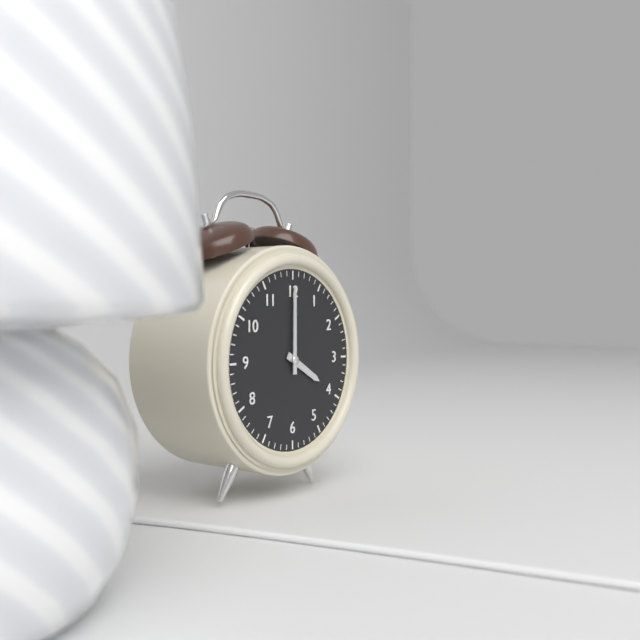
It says 4:00
